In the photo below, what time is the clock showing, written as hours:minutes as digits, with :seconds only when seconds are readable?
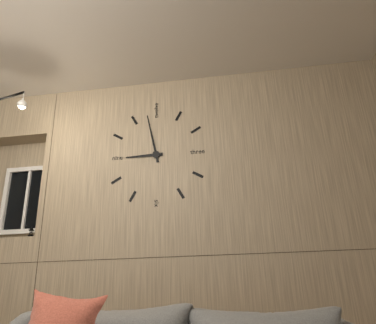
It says 8:58
